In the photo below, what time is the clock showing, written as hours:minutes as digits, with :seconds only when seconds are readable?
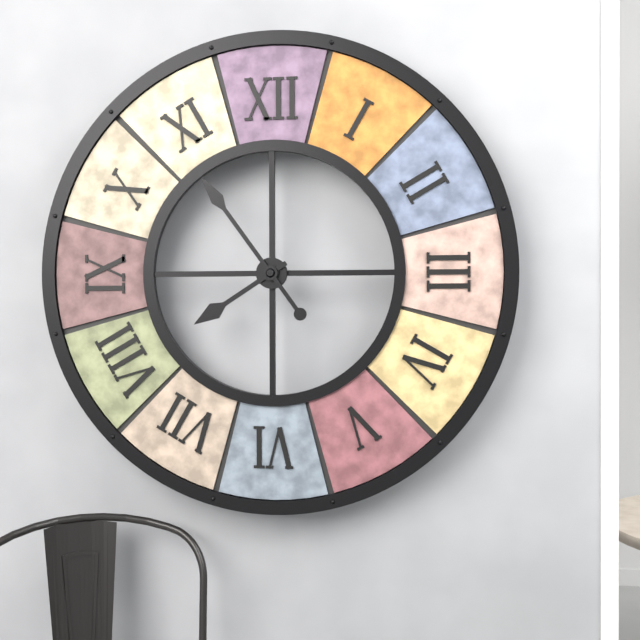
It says 7:54
